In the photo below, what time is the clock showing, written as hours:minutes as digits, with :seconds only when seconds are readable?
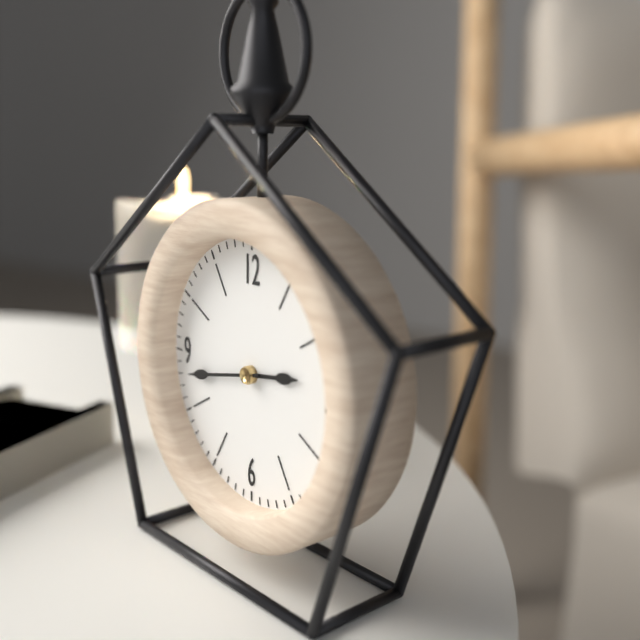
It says 2:43
